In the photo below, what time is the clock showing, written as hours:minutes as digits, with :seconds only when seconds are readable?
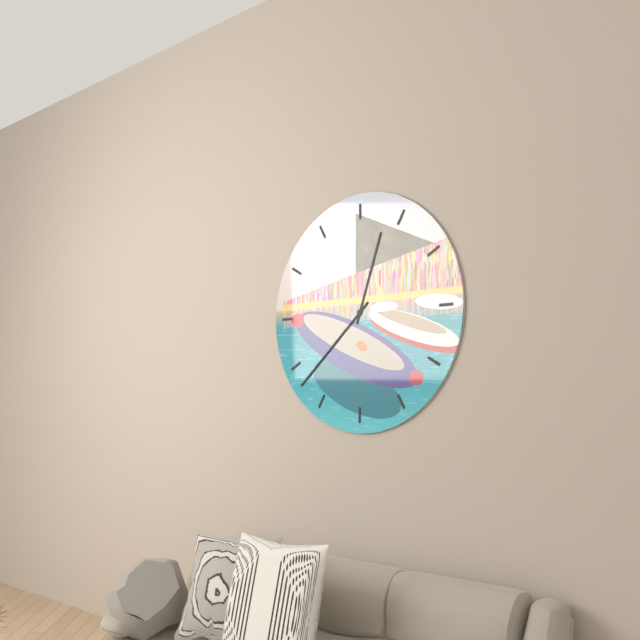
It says 12:38
